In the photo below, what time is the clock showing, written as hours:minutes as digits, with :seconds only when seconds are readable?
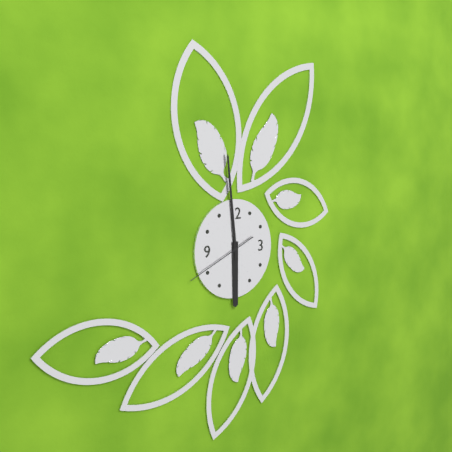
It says 5:59:41
